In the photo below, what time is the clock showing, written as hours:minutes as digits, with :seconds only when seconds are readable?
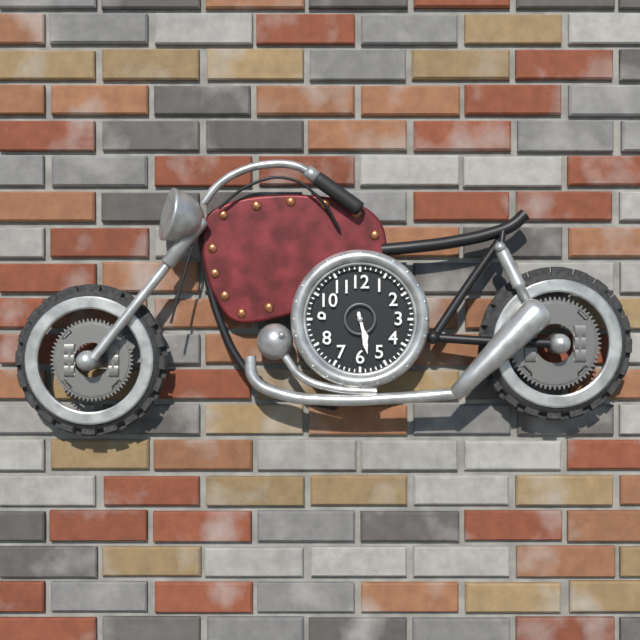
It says 5:28
